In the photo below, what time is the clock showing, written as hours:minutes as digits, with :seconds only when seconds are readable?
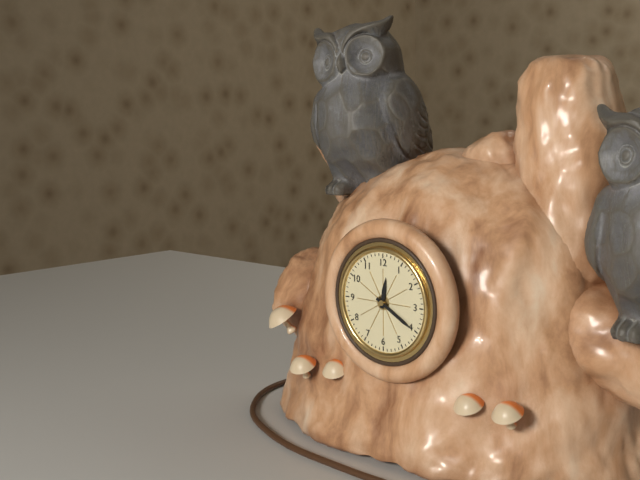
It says 12:20
